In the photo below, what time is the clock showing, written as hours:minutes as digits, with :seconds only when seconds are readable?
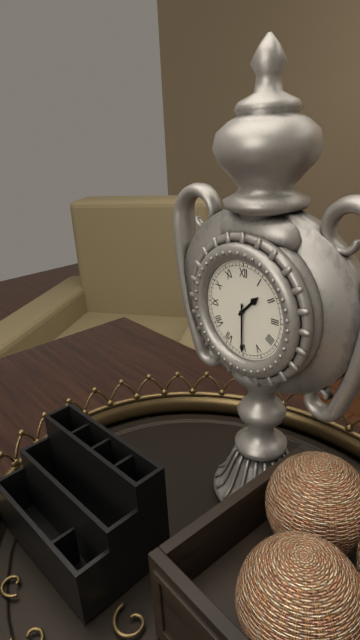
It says 1:30
